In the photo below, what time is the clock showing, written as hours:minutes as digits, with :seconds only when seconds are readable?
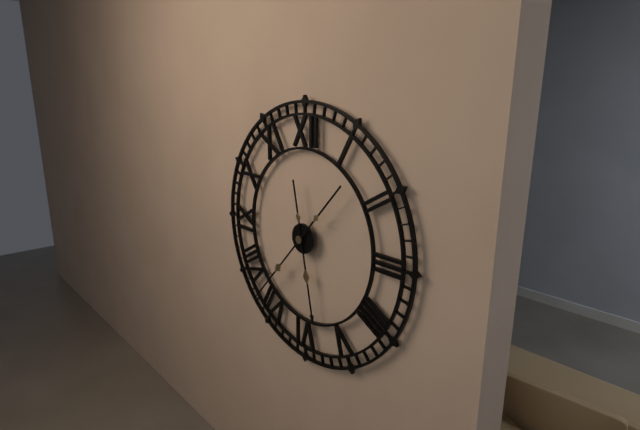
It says 5:37
